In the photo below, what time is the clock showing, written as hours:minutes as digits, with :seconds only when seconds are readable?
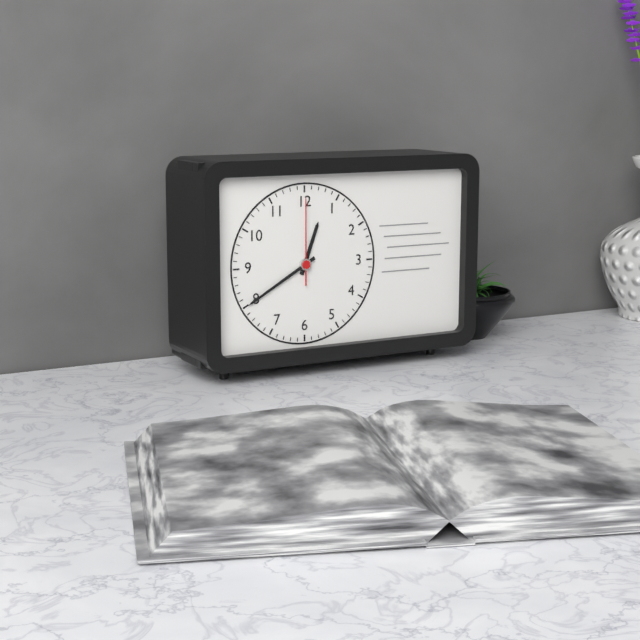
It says 12:40:00
